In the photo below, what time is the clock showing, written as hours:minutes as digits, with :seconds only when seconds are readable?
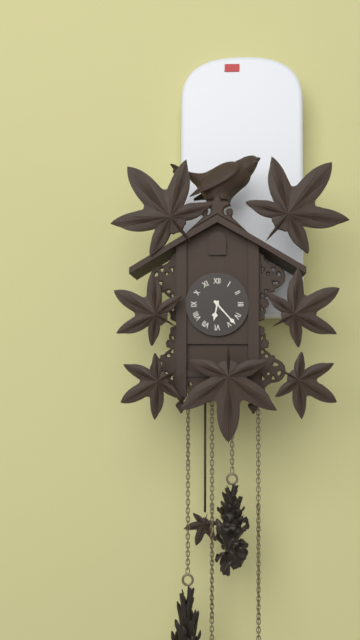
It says 6:23
